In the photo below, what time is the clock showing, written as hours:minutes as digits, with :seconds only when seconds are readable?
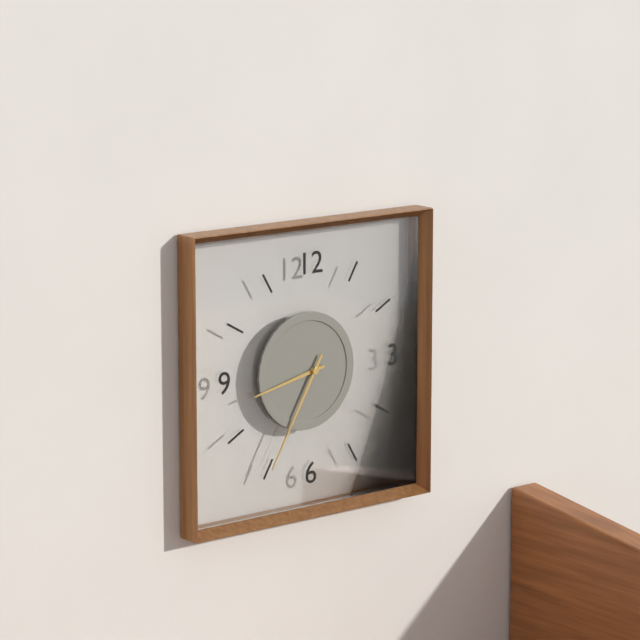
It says 8:35
